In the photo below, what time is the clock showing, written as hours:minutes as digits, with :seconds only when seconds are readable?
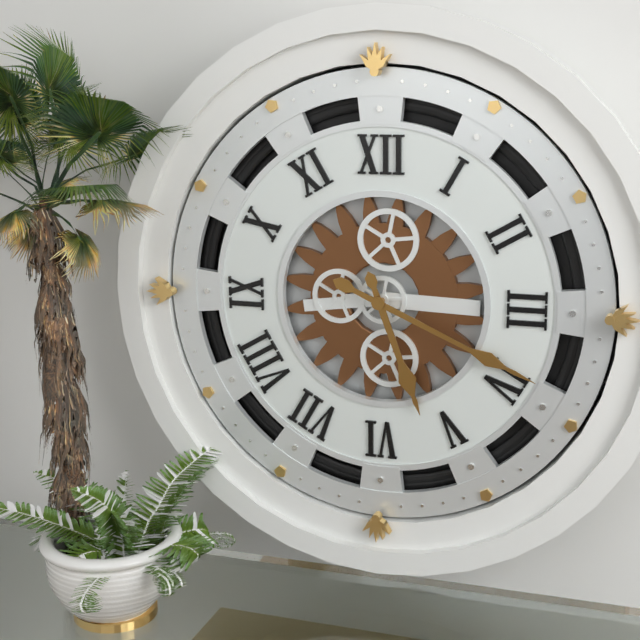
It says 5:19
